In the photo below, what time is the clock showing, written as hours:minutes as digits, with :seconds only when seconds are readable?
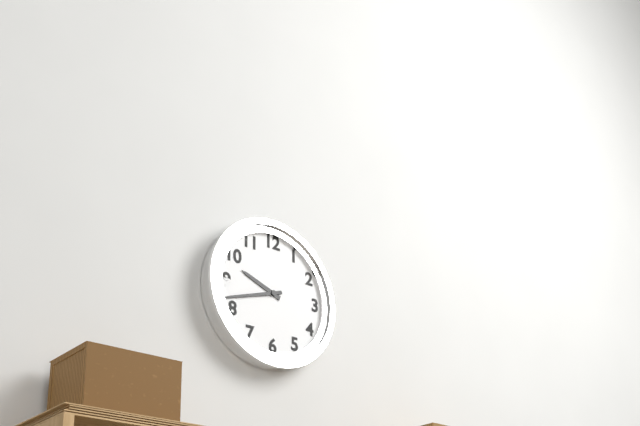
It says 9:42
